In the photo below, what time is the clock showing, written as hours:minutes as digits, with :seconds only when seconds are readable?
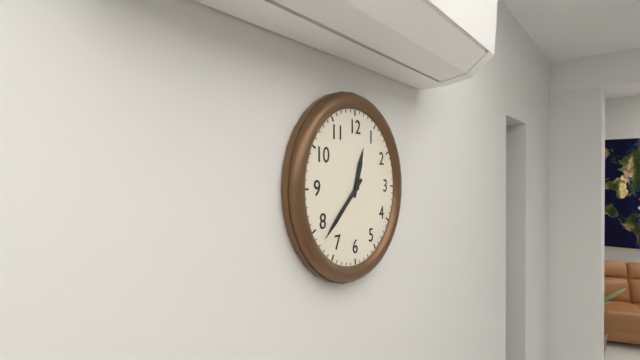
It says 12:38
